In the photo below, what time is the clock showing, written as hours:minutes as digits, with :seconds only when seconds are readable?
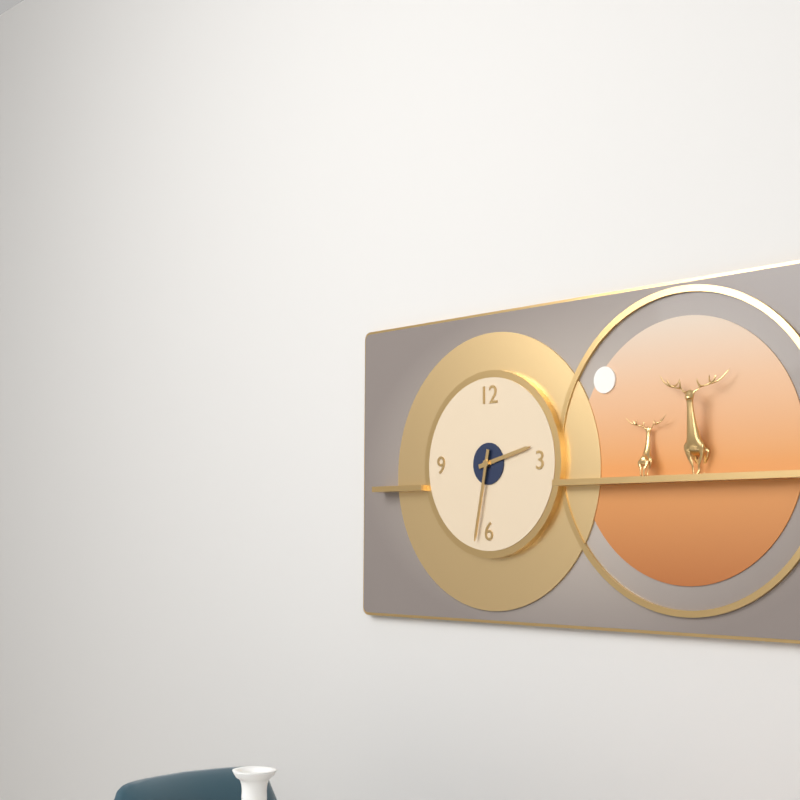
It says 2:32
